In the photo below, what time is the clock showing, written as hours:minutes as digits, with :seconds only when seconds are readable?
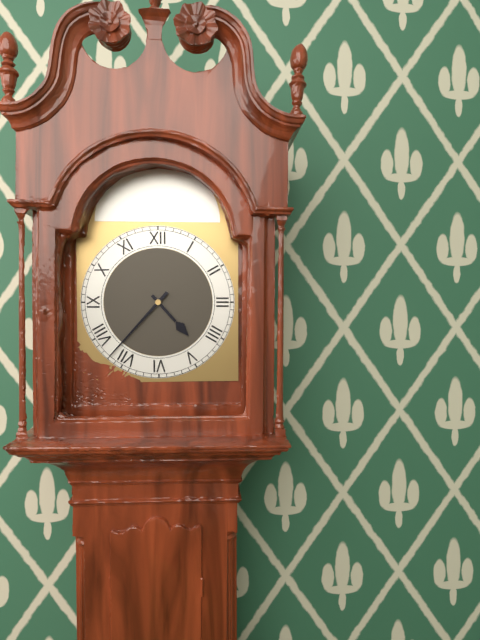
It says 4:37
